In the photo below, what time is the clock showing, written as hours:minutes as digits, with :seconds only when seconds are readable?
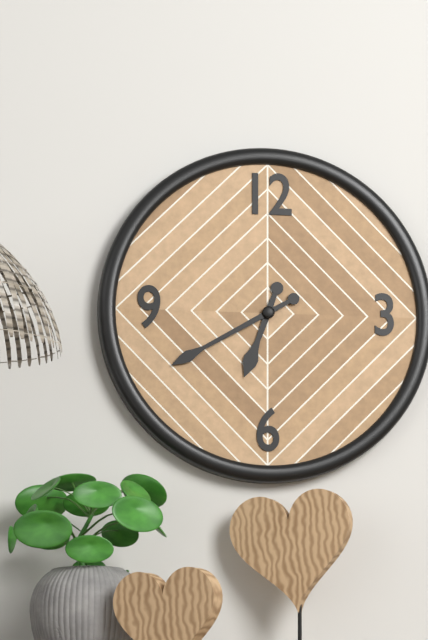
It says 6:40
